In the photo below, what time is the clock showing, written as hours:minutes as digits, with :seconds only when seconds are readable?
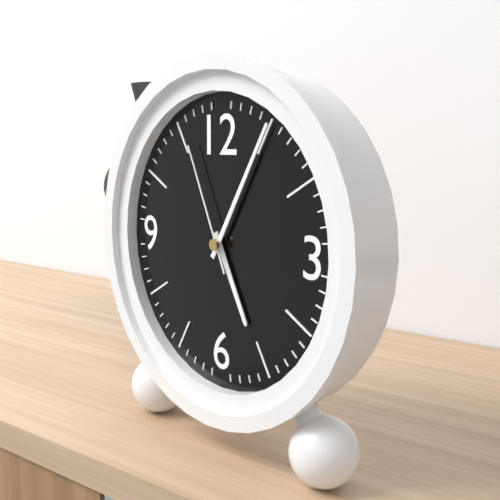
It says 5:05:56
